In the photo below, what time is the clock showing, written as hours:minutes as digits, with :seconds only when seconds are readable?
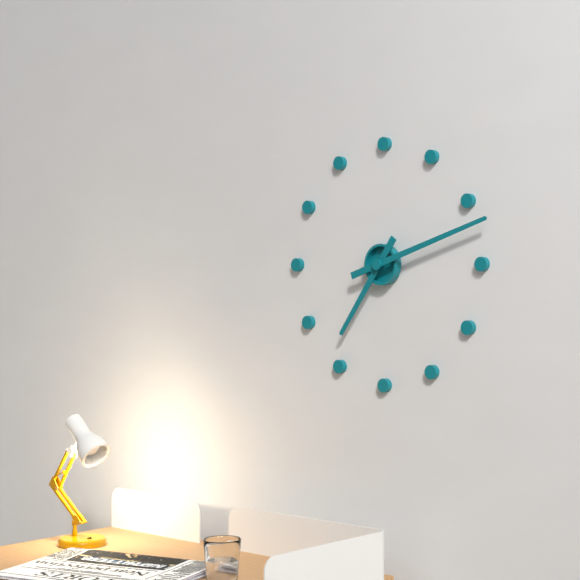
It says 7:12
